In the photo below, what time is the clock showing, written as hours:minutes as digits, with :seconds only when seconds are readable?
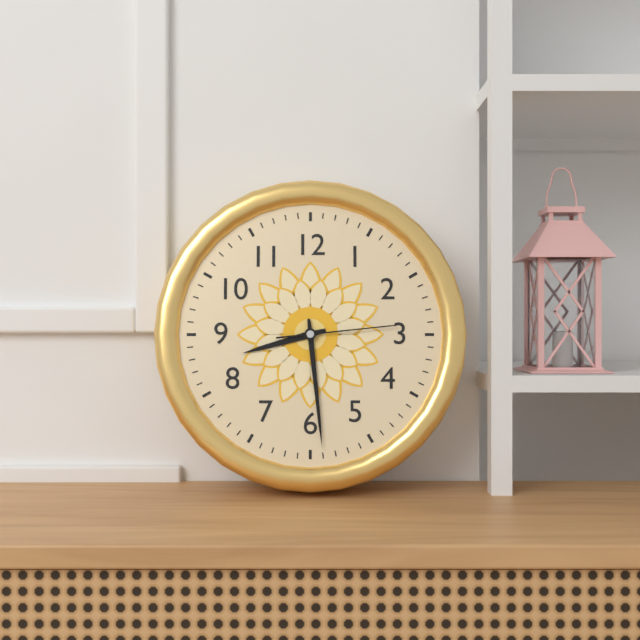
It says 8:29:14
